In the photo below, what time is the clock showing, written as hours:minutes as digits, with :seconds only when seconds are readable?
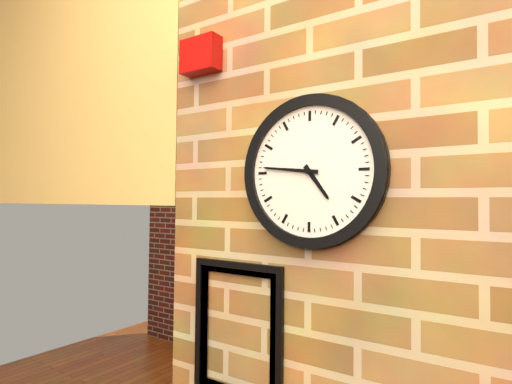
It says 4:46
